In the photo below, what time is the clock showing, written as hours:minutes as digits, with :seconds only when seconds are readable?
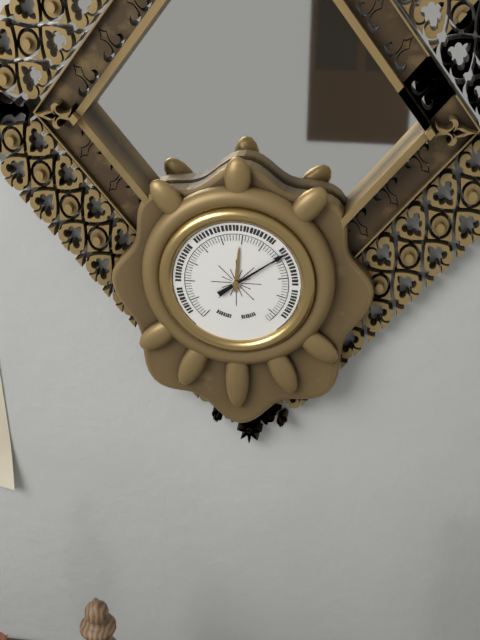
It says 12:09
